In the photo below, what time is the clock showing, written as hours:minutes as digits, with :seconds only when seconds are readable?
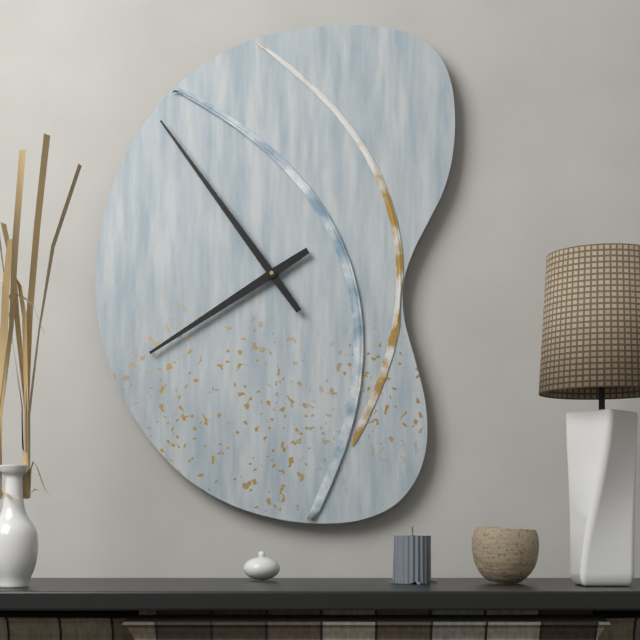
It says 7:54
